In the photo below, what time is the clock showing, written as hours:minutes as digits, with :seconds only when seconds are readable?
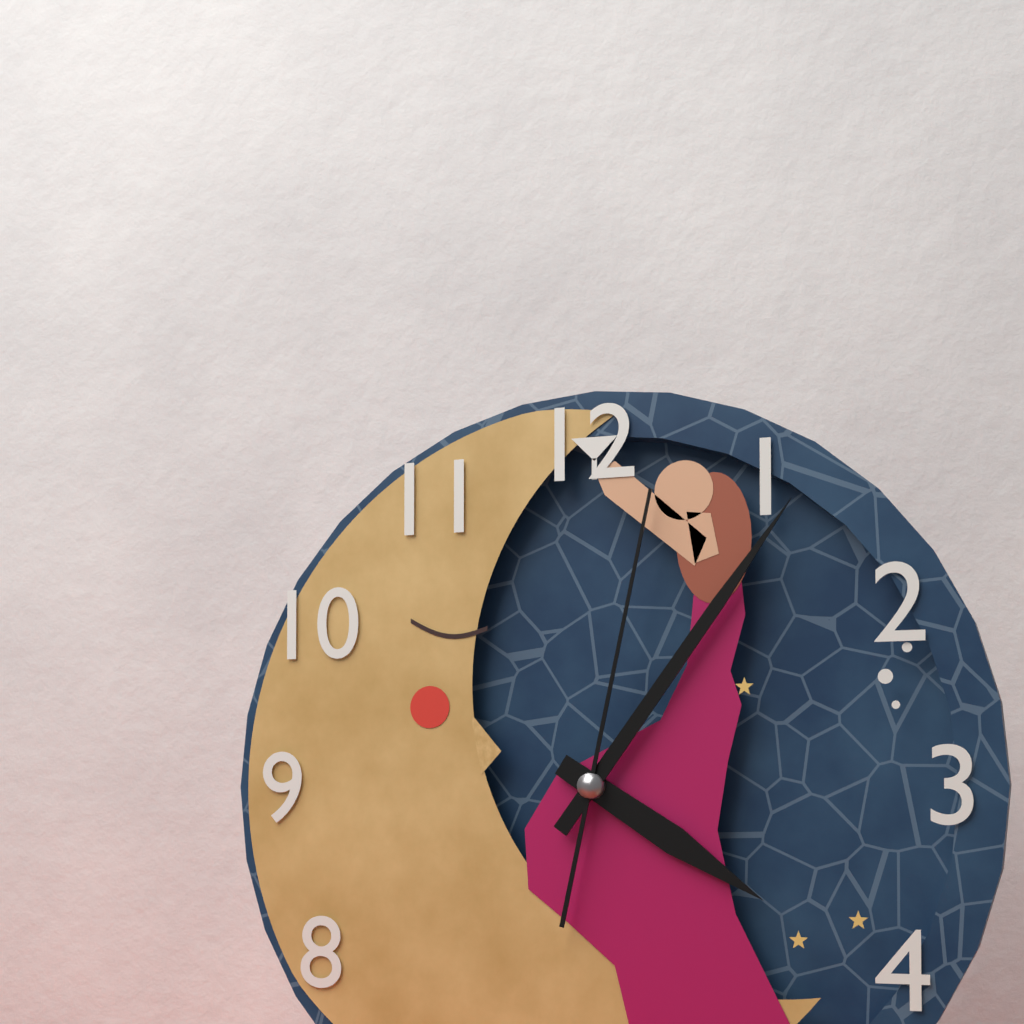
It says 4:06:02
